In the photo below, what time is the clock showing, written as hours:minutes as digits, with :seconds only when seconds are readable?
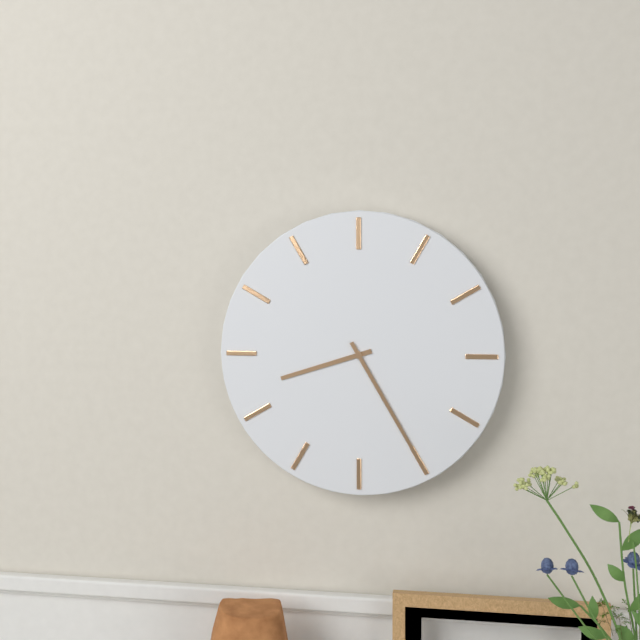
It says 8:25
